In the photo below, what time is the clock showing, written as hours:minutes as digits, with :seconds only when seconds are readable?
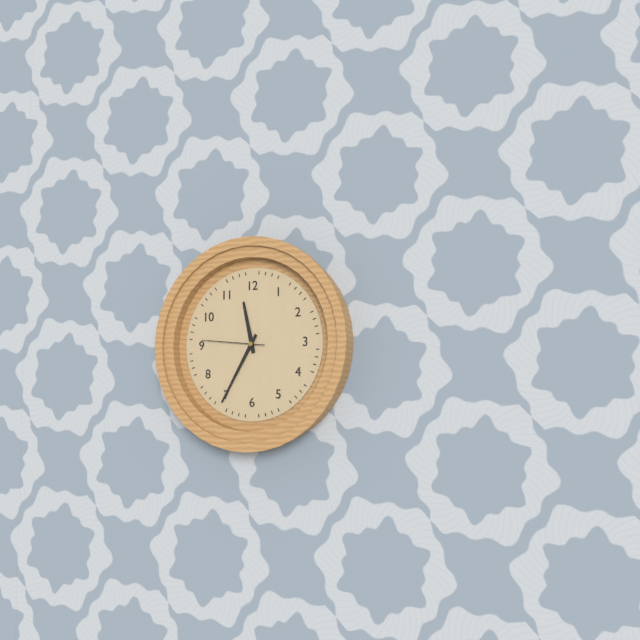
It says 11:35:46
